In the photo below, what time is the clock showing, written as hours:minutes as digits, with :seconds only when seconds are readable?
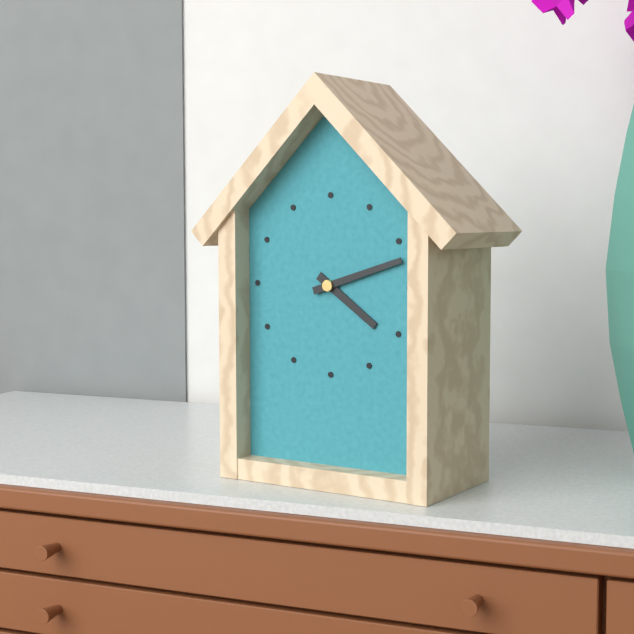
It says 4:12
